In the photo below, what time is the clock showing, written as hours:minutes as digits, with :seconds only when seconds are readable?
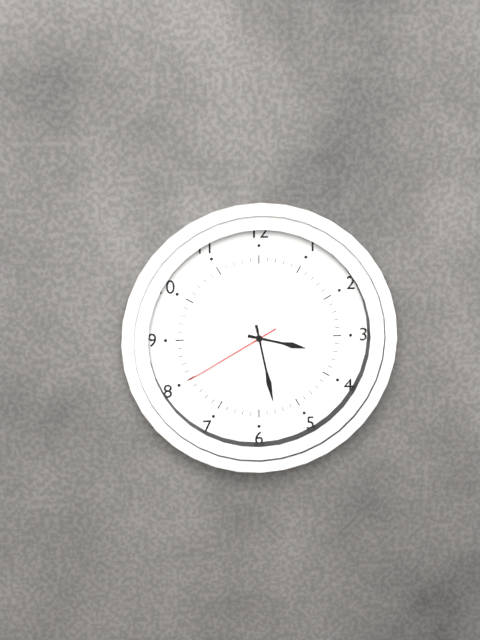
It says 3:28:40
